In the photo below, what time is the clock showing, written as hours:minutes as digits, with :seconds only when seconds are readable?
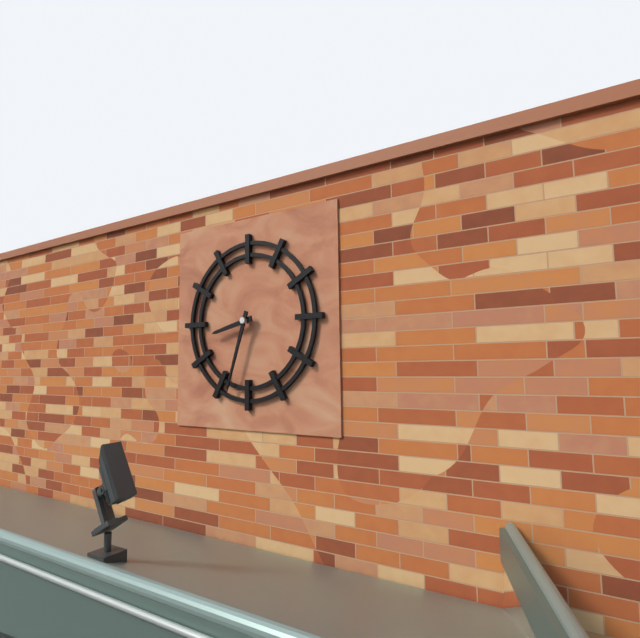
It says 8:33
